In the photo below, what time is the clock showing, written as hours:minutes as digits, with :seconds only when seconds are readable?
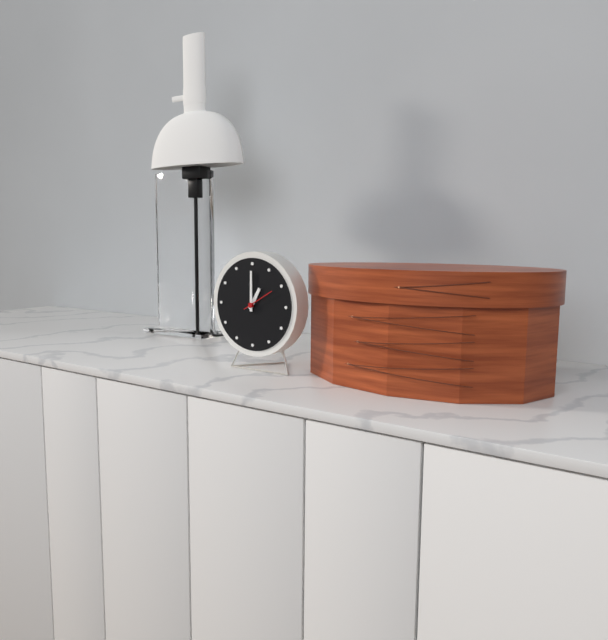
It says 1:00
